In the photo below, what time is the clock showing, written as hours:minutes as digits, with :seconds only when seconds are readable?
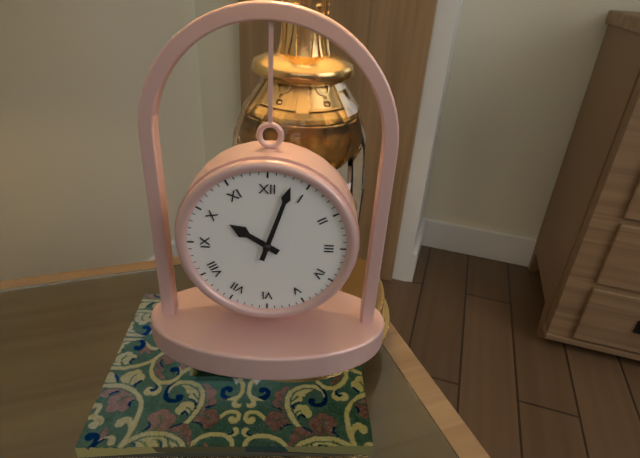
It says 10:03
